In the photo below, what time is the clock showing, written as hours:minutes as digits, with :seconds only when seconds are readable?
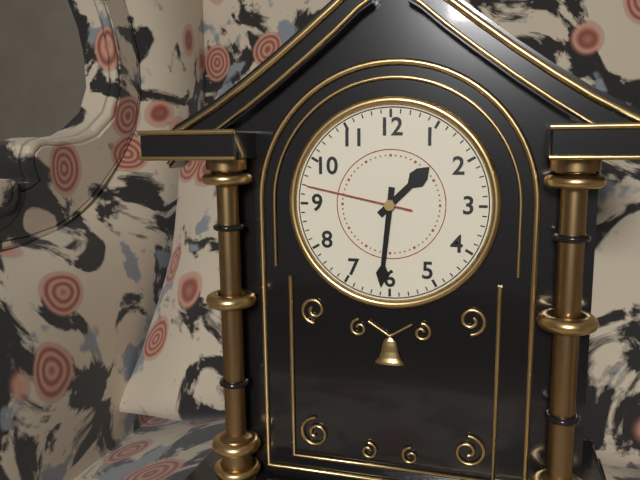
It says 1:31:47
